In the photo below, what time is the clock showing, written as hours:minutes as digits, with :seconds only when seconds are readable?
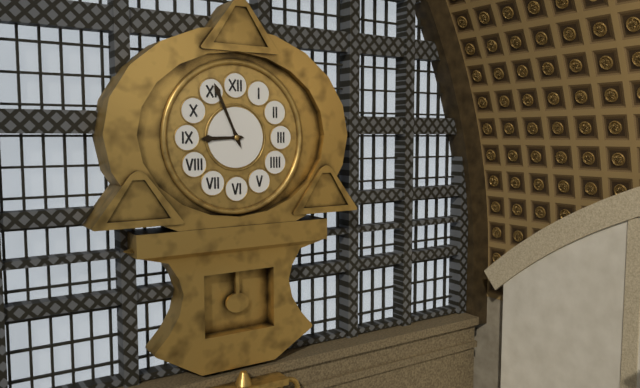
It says 8:56
